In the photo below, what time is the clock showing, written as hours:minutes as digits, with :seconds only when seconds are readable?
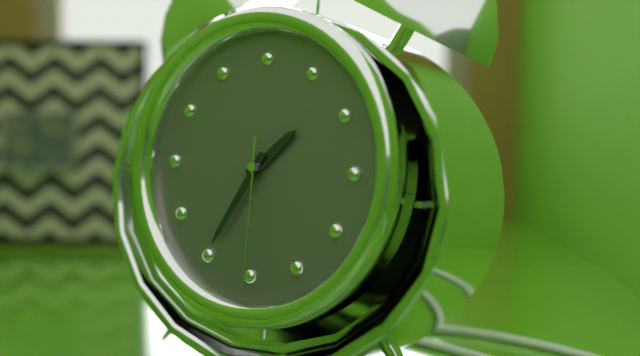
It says 1:35:30
